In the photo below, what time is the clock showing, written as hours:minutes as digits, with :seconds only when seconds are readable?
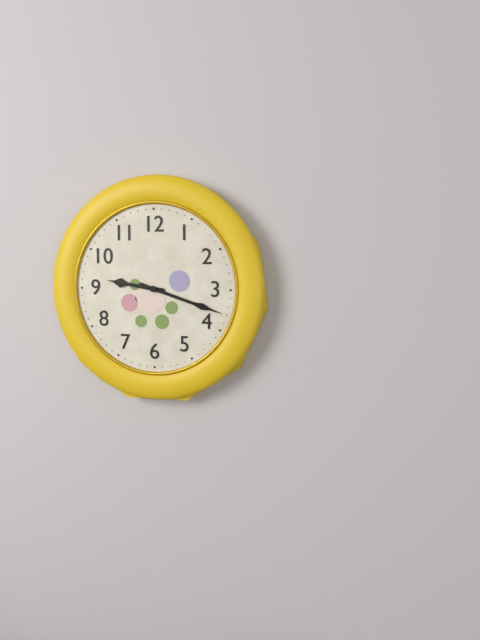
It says 9:18
